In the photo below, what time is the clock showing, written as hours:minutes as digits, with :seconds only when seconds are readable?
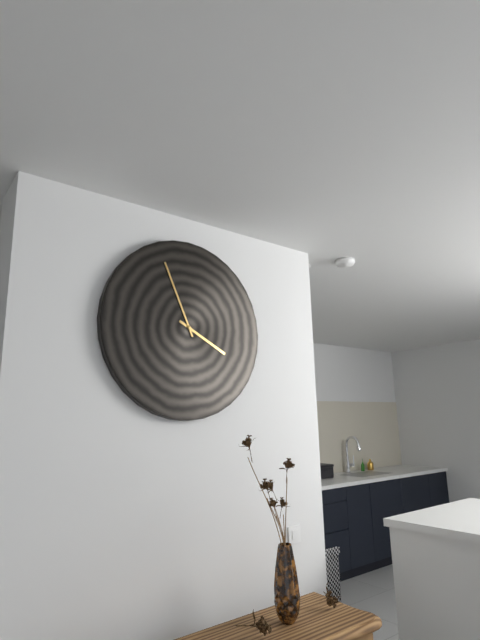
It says 3:56
